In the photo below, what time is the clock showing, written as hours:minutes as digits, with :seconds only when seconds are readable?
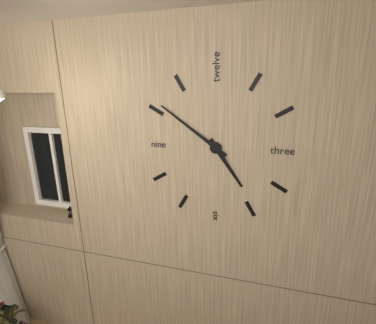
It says 4:51
